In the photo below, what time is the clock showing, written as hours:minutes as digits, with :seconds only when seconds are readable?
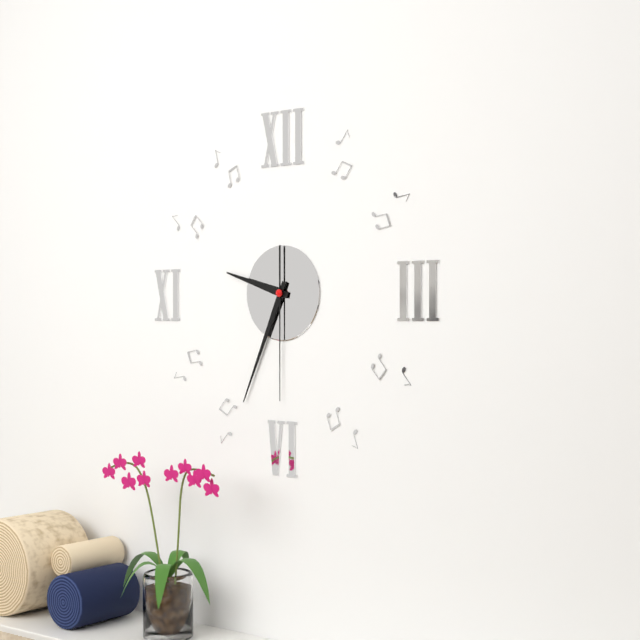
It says 9:34:30
